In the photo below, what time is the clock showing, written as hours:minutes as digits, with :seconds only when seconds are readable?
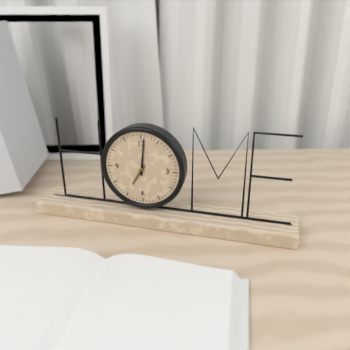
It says 7:01
